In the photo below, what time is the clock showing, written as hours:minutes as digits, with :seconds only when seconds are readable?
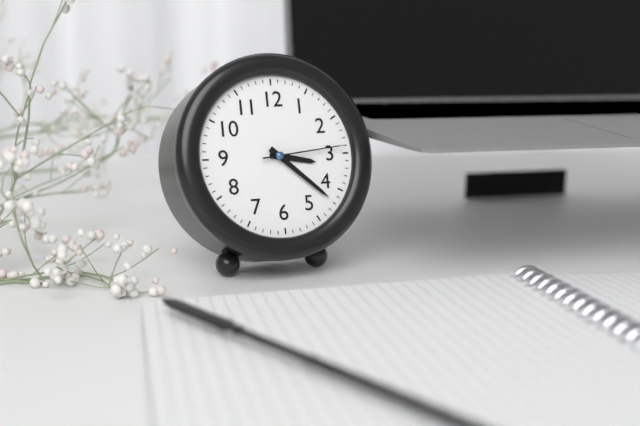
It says 3:22:14
